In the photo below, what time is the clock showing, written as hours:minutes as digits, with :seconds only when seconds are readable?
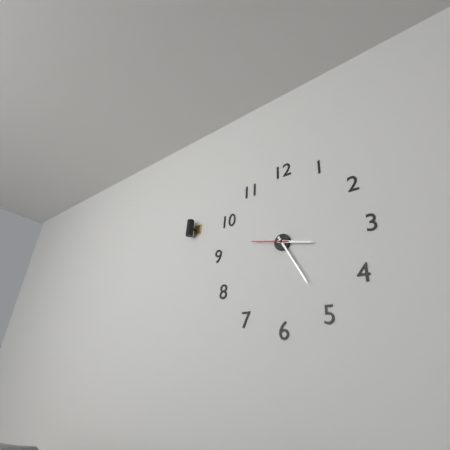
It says 3:25
